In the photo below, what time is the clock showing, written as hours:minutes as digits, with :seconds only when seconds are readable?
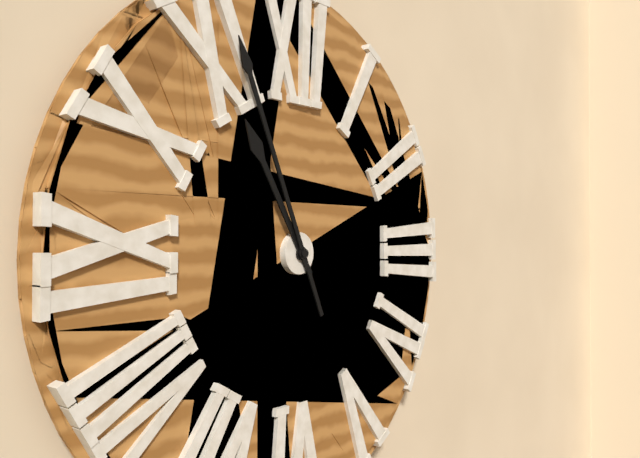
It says 10:56
